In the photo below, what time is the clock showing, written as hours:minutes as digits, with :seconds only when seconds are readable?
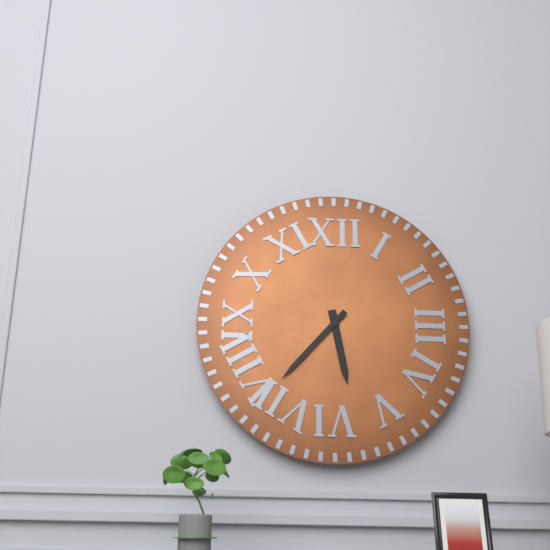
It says 5:37
